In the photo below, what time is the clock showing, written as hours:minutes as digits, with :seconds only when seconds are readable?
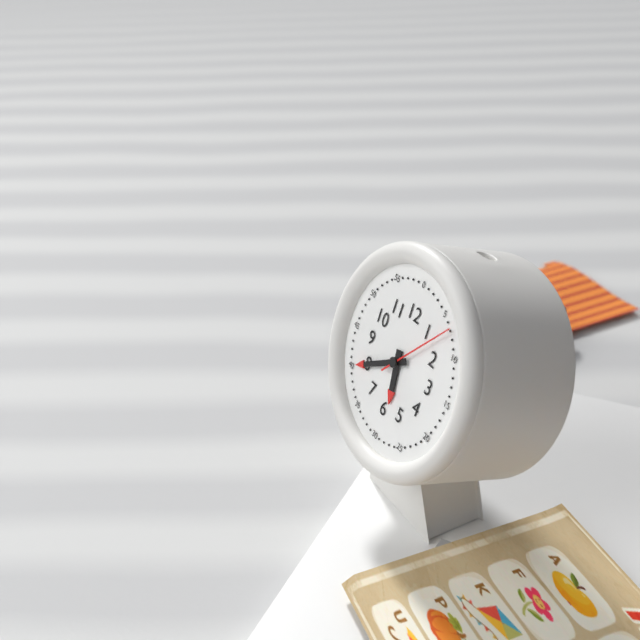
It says 5:40:07
